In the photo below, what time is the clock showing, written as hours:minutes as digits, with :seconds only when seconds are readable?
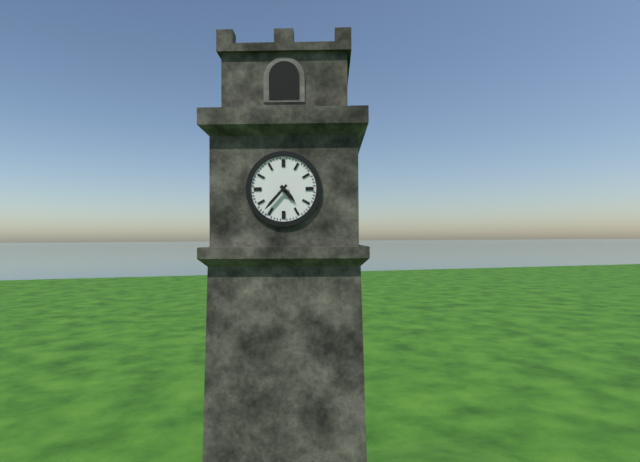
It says 4:37
